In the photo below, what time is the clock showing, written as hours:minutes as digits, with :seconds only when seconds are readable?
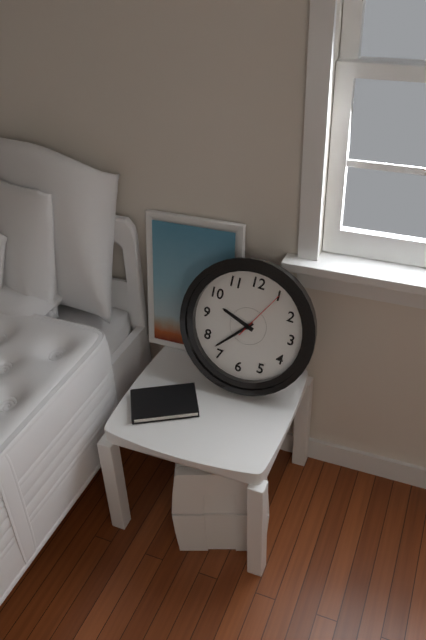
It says 9:37:05
